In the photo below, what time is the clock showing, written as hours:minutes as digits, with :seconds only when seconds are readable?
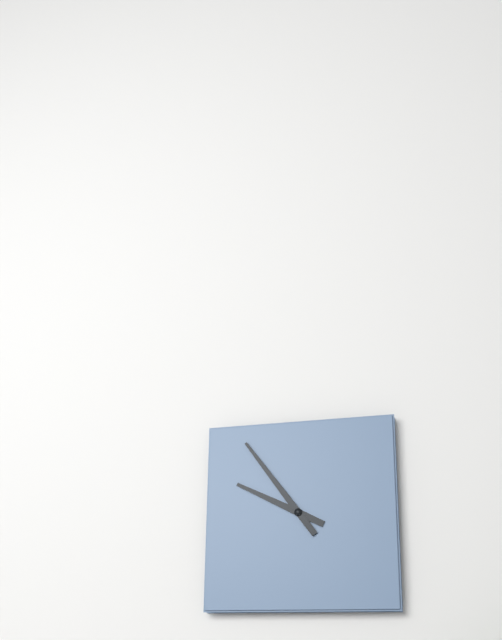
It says 9:54
